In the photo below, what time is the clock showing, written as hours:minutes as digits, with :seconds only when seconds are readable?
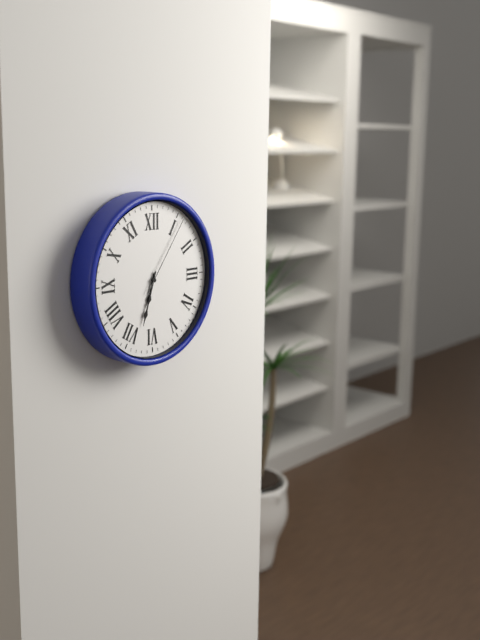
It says 6:33:06
